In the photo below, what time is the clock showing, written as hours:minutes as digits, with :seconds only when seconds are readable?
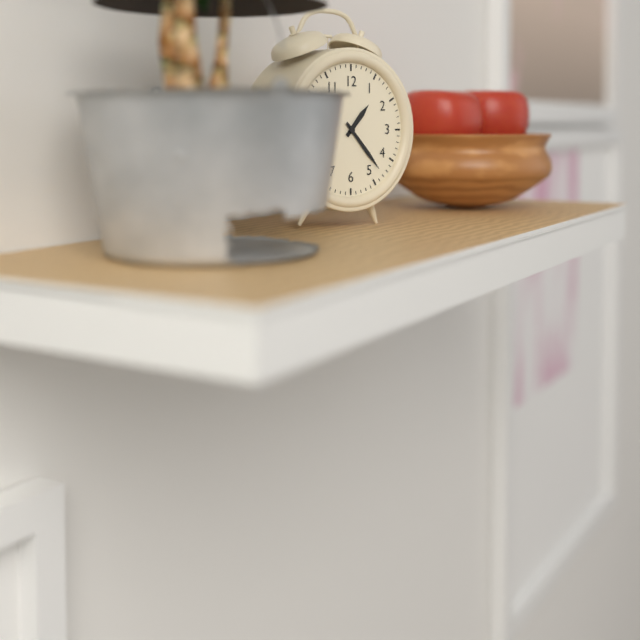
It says 1:23
